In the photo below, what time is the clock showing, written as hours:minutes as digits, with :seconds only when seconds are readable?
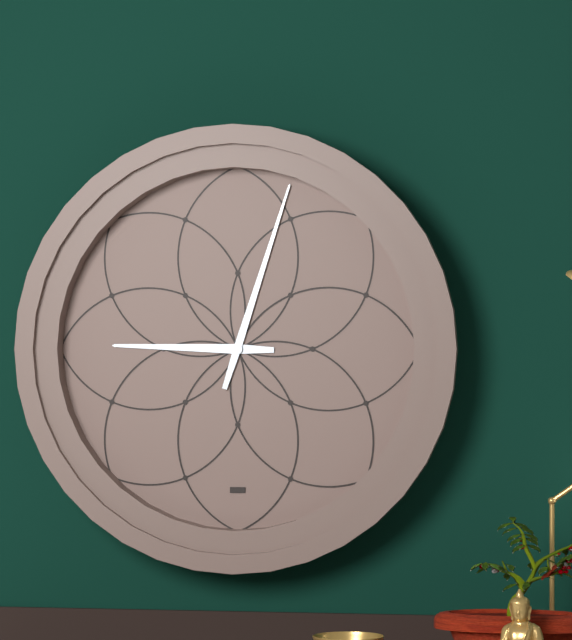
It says 9:03
